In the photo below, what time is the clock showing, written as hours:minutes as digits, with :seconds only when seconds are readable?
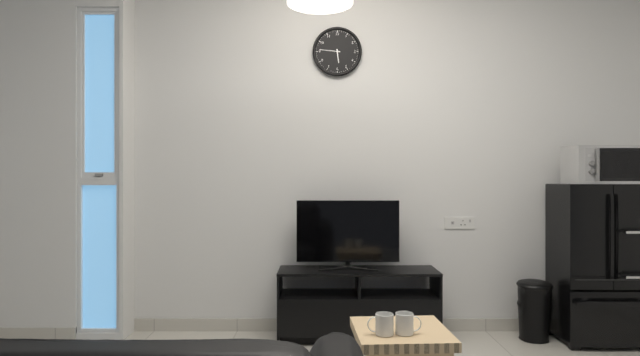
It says 5:46
